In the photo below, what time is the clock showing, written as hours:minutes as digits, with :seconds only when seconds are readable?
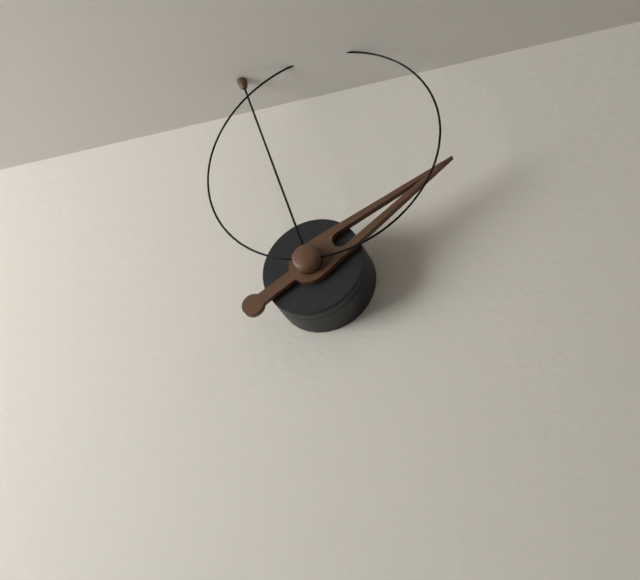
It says 1:57:01
